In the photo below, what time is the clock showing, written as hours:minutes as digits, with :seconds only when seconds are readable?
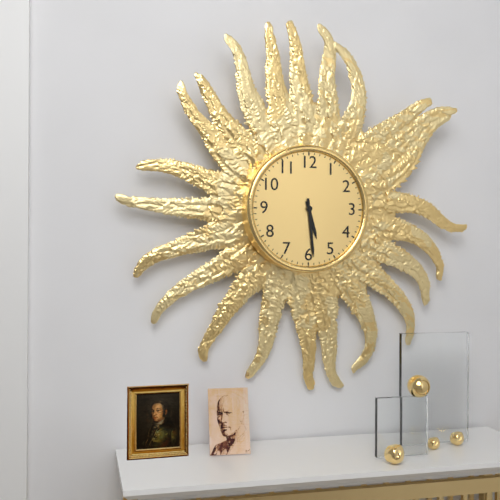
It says 5:29
